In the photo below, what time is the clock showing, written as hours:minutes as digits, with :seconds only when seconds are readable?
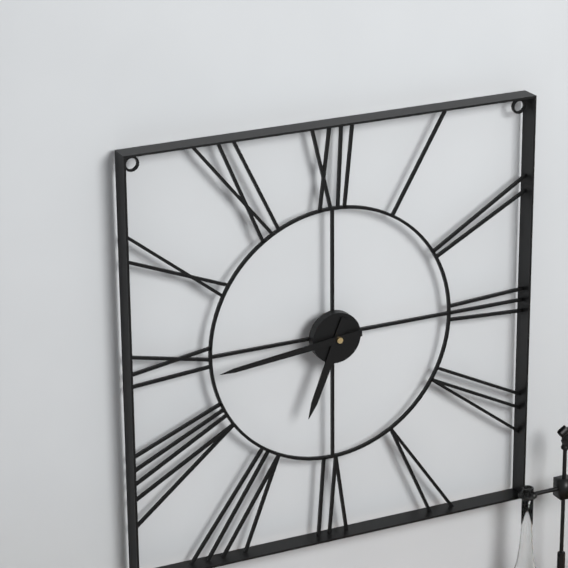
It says 6:44
